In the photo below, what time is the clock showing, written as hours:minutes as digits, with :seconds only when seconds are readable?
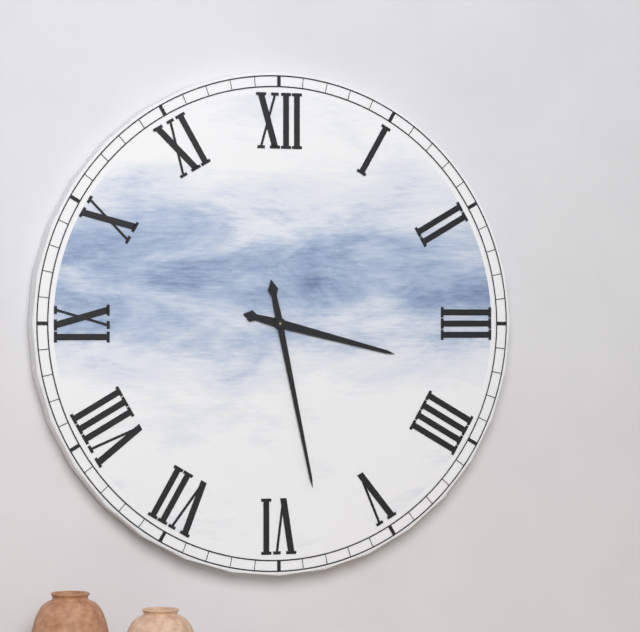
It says 3:28
